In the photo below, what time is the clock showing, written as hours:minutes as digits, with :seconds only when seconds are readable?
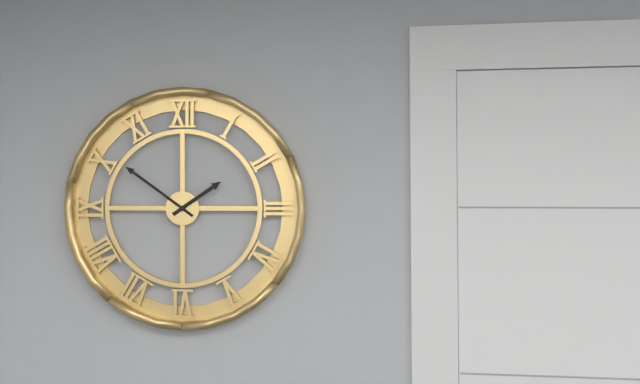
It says 1:51
